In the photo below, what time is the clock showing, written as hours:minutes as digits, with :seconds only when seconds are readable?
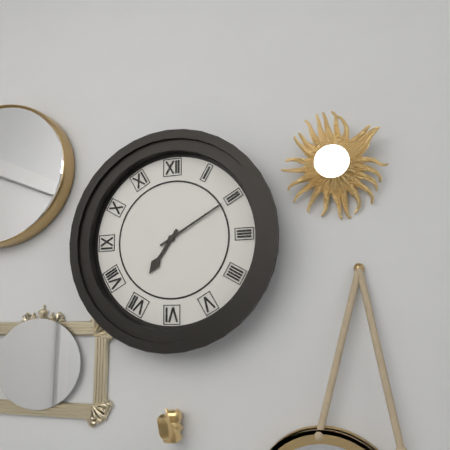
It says 7:10
